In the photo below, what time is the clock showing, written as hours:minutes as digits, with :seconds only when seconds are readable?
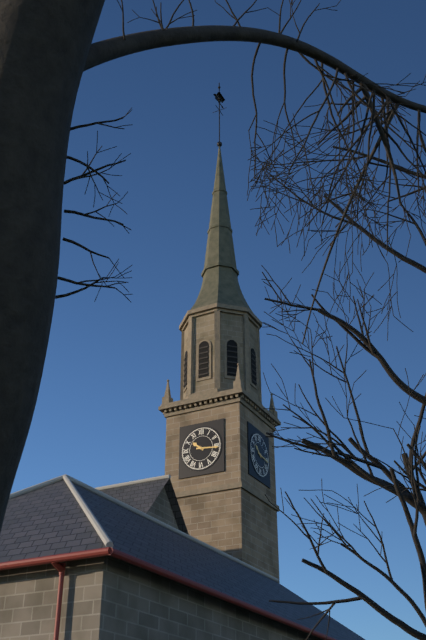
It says 10:16
